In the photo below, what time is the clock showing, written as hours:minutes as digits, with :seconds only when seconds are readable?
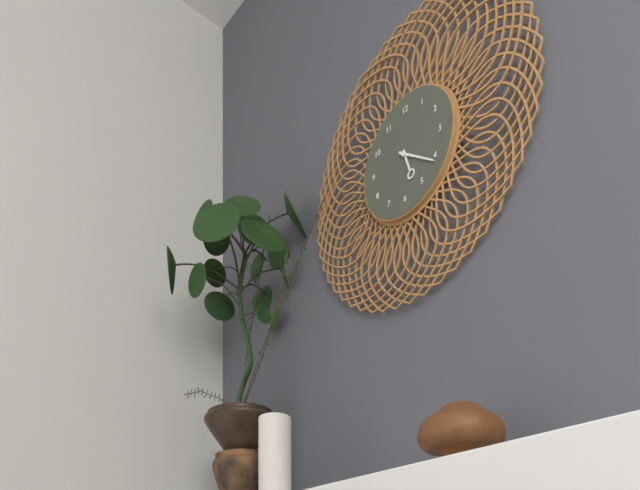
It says 5:21
